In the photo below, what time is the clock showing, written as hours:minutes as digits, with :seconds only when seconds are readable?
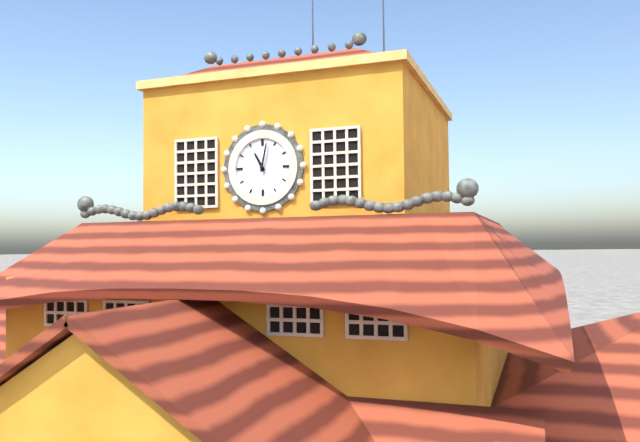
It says 11:02
